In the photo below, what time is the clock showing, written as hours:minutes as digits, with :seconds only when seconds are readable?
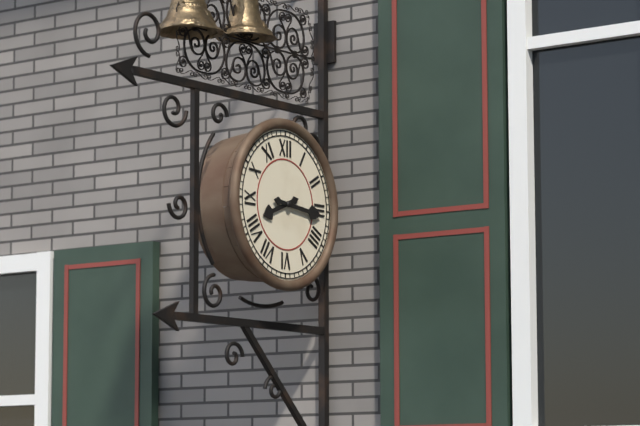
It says 8:16
